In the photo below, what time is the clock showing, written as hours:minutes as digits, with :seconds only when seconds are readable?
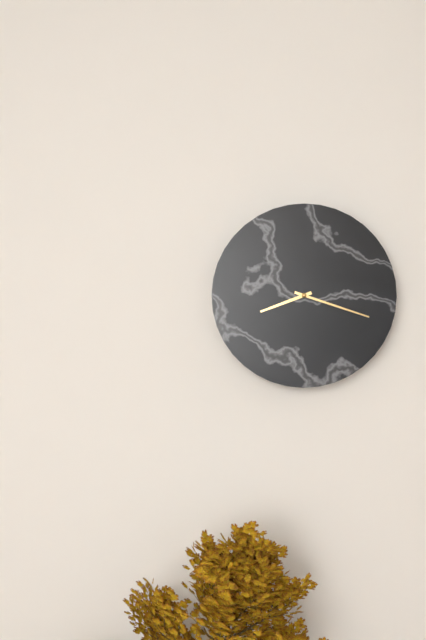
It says 8:18
